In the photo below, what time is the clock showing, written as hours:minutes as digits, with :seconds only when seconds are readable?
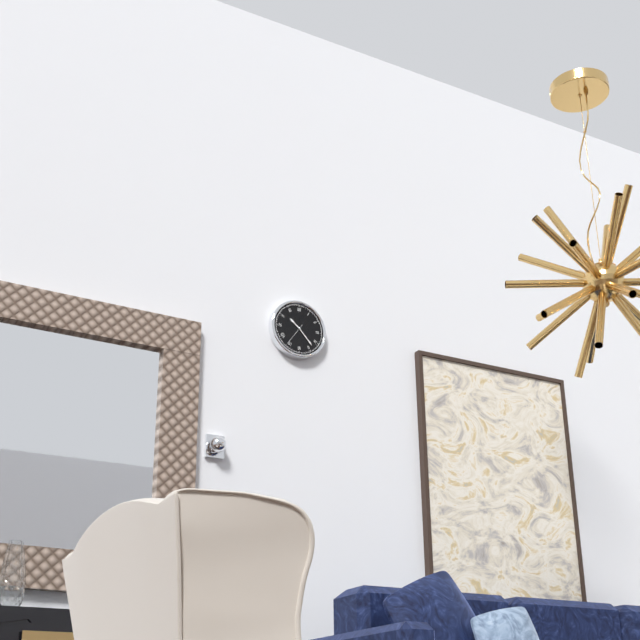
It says 10:23
